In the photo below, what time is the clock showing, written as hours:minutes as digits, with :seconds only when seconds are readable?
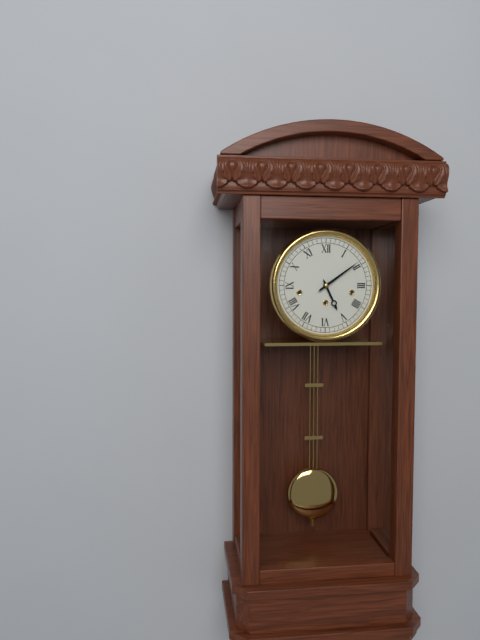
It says 5:09
